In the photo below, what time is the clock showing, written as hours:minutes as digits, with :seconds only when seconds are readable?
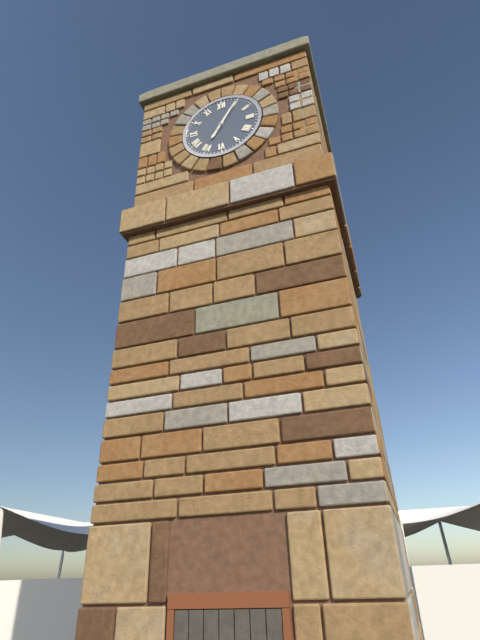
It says 7:05
